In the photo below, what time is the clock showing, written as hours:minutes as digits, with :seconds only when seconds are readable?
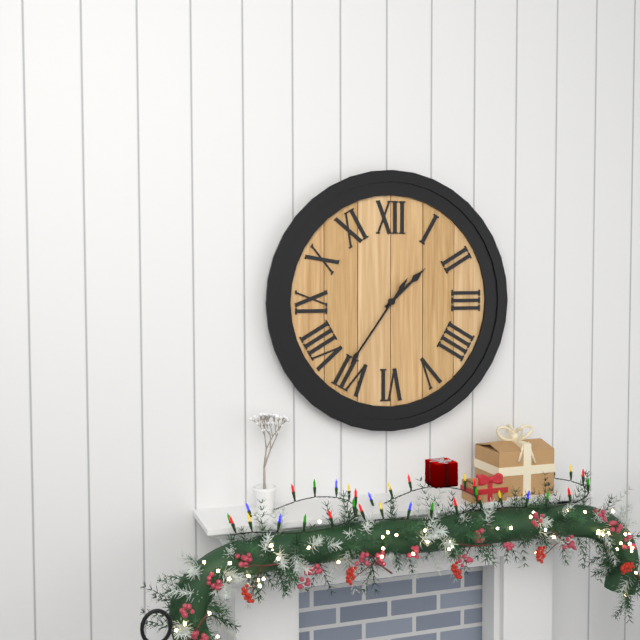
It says 1:36
